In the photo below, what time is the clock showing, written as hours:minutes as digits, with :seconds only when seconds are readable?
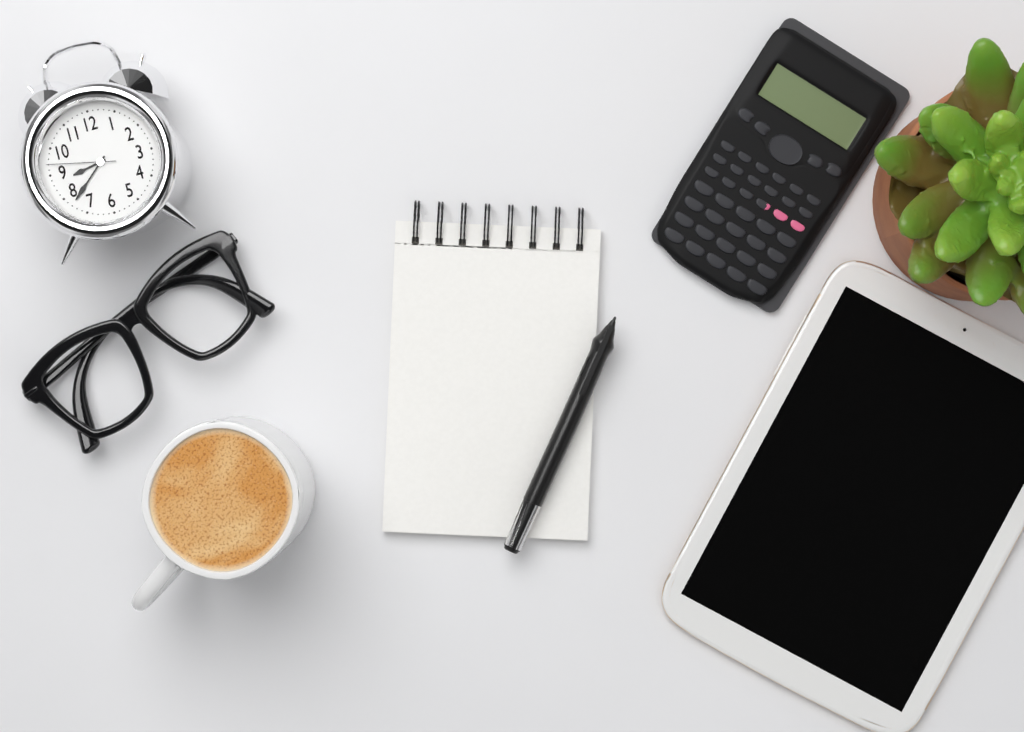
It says 8:38:47
